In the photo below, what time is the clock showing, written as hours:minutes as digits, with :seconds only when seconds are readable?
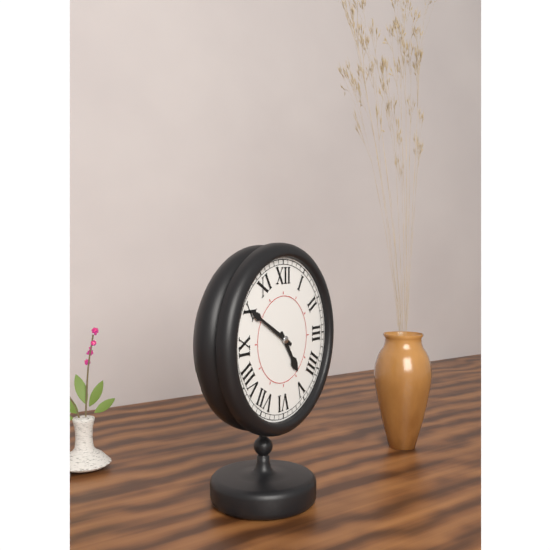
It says 4:50
